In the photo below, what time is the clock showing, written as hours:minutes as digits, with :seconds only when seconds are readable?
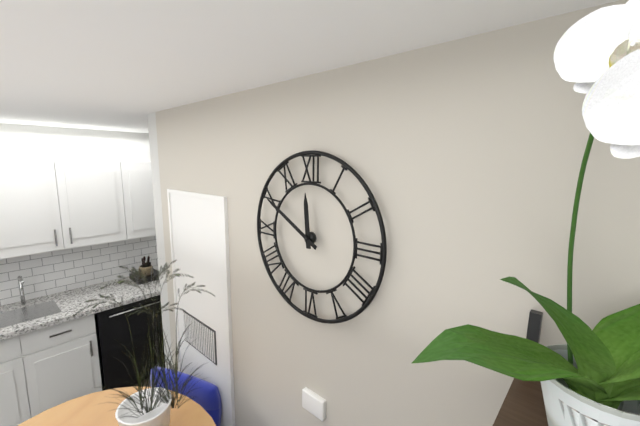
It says 11:50
